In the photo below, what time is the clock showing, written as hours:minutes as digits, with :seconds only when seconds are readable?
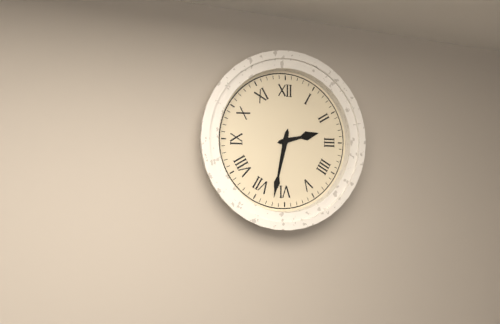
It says 2:32
